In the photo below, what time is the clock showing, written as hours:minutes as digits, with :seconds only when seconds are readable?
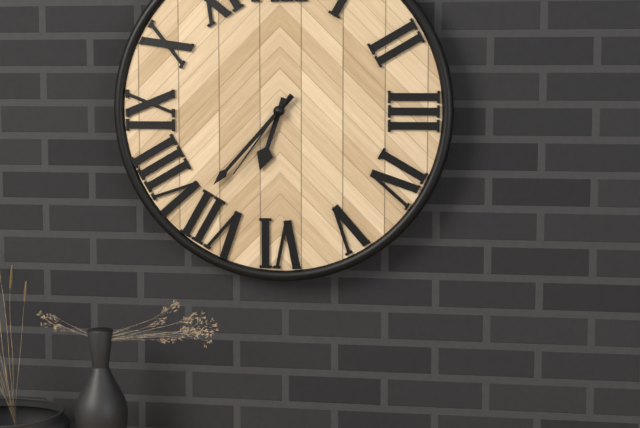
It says 6:37:36
